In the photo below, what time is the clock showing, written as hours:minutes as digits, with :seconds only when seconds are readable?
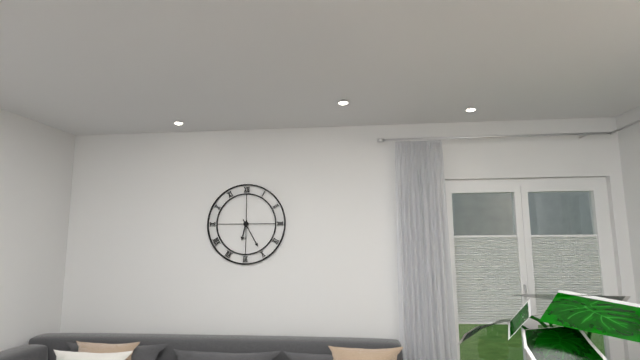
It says 6:25
